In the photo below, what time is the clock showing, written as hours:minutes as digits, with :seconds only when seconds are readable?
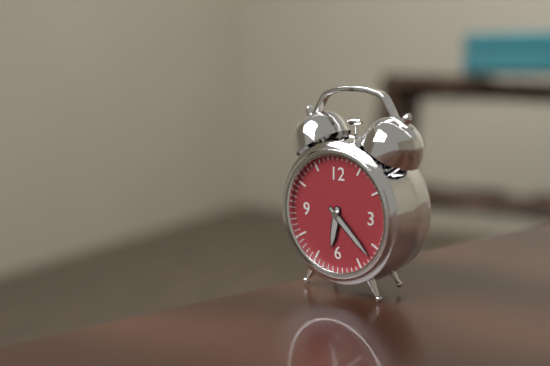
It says 6:22
